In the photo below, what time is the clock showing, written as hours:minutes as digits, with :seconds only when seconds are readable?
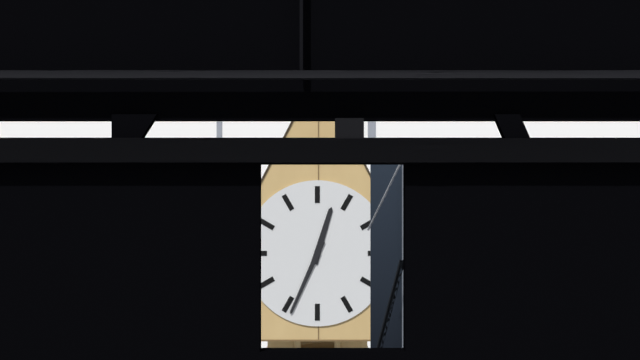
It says 12:34
